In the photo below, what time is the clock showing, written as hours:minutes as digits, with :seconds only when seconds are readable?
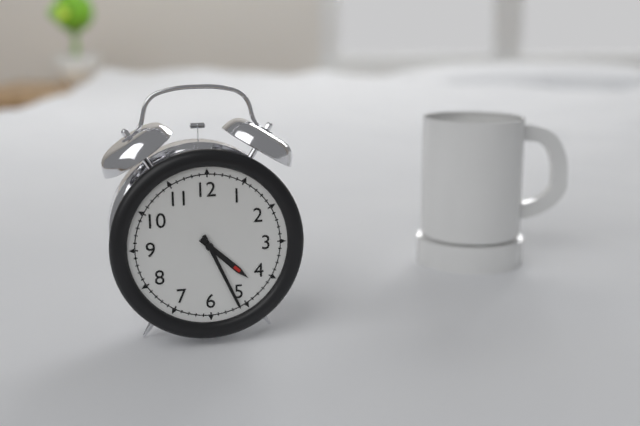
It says 4:26
